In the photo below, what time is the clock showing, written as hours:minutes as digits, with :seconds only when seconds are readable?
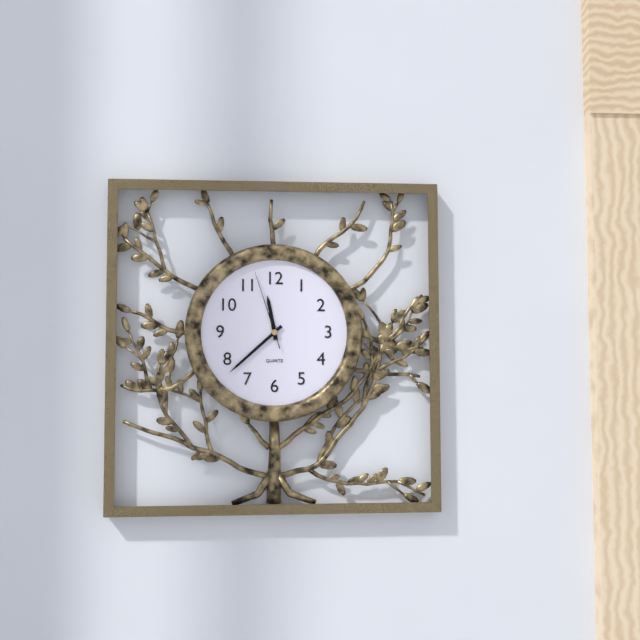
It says 11:38:57
